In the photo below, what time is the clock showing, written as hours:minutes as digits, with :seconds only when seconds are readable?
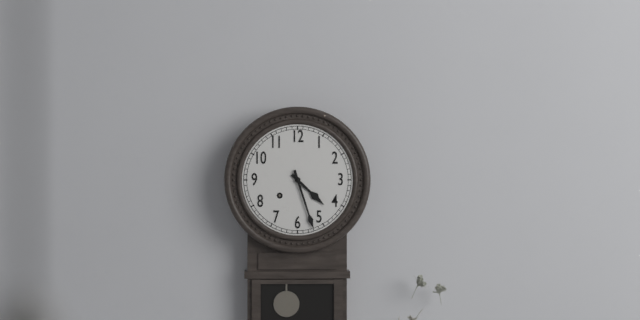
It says 4:27
